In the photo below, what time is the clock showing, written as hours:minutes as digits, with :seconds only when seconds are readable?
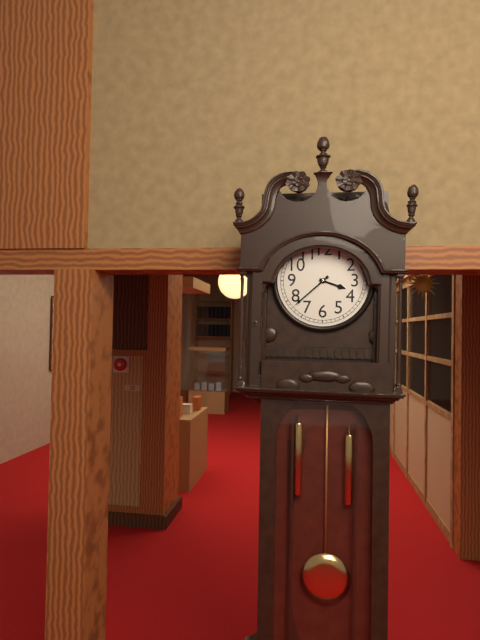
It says 3:38
